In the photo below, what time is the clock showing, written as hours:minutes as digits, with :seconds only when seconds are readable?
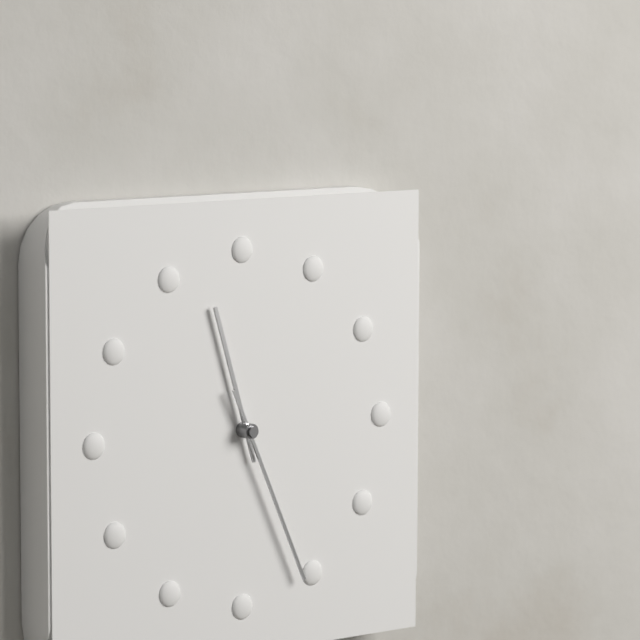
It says 11:26
